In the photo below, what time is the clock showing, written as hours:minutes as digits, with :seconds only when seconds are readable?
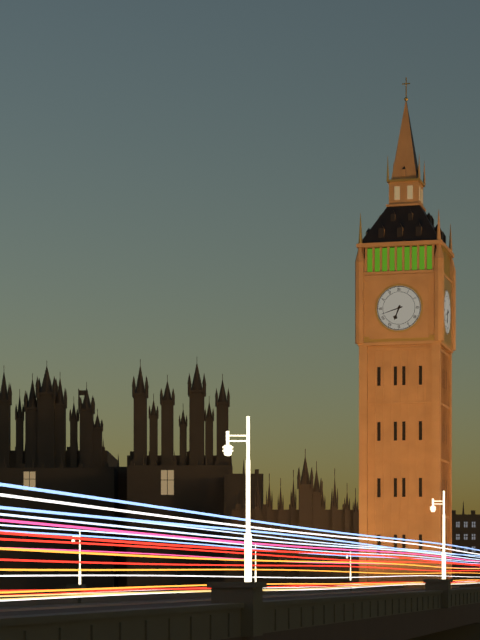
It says 6:42
